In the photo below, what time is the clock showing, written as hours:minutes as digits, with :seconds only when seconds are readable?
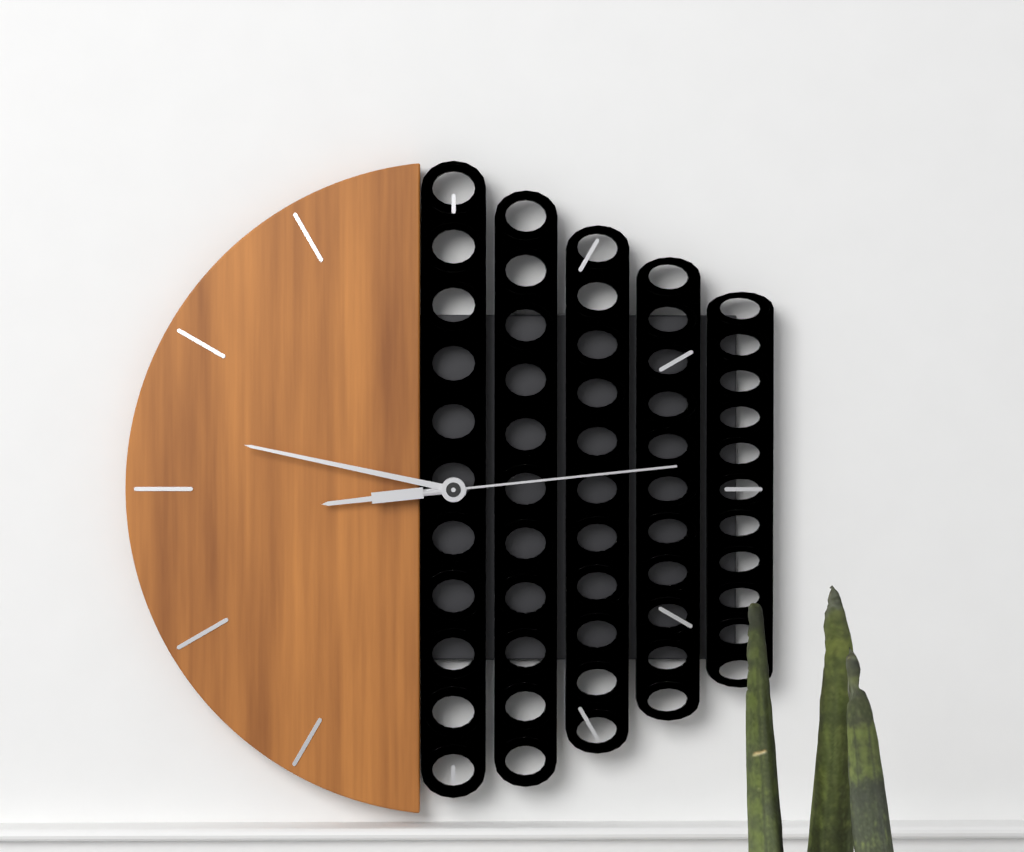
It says 8:47:14
